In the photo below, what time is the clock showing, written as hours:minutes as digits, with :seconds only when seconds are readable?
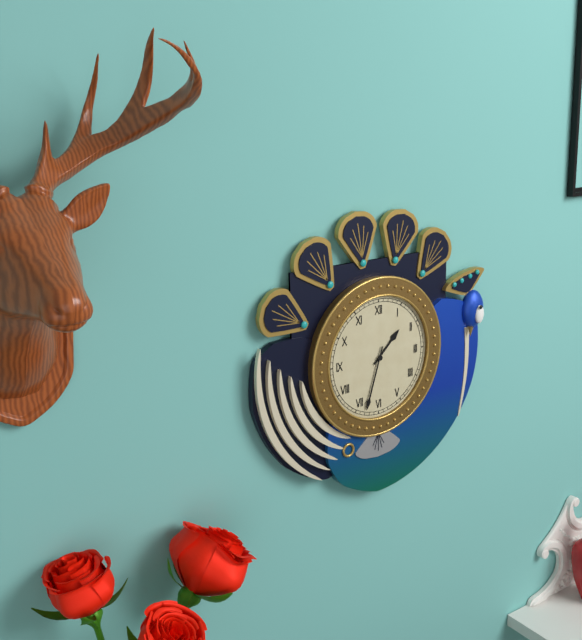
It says 1:33
